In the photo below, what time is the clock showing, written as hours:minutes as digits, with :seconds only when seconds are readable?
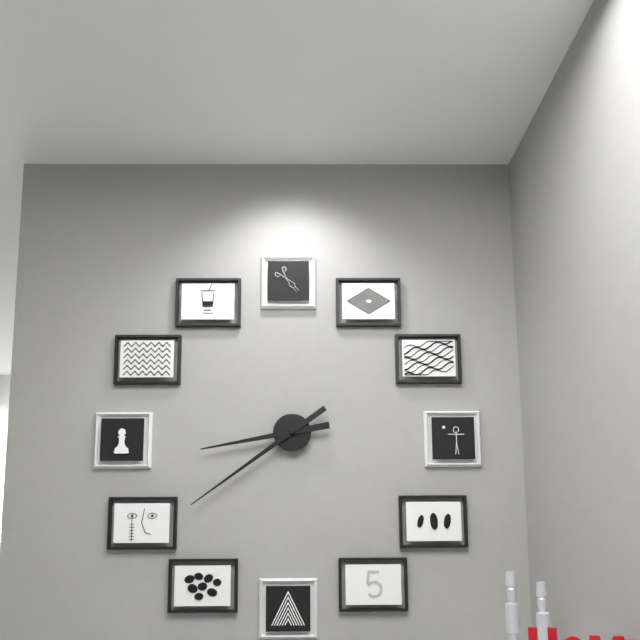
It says 8:39
